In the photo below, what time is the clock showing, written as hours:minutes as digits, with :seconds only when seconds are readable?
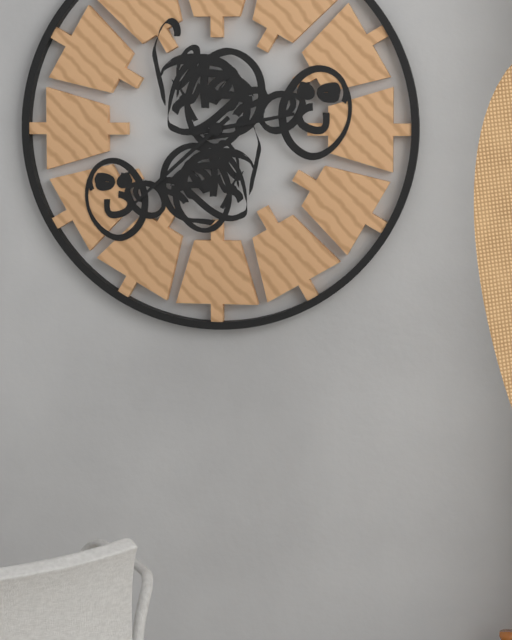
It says 2:38
